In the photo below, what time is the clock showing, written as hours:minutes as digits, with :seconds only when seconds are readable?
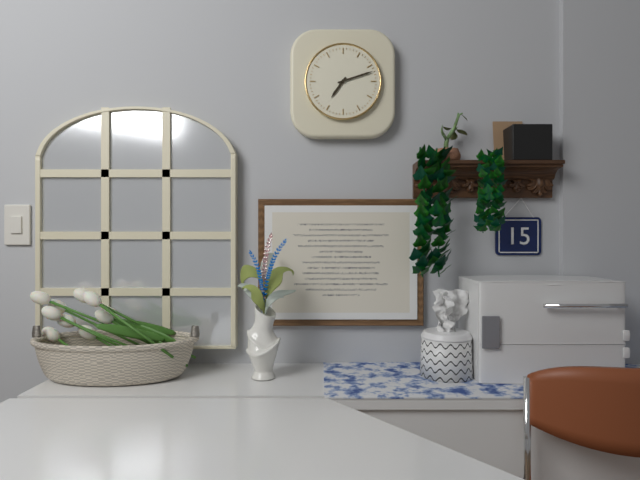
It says 7:12
